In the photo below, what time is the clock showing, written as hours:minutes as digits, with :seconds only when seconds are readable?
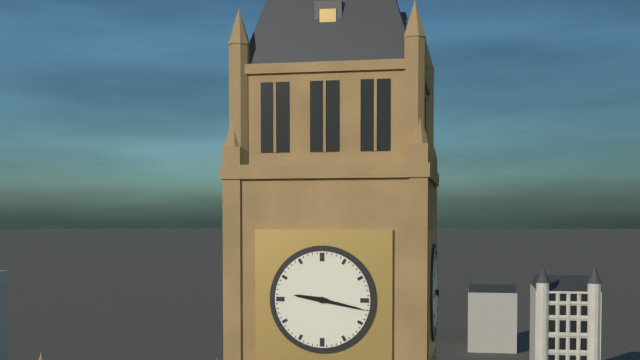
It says 9:17
